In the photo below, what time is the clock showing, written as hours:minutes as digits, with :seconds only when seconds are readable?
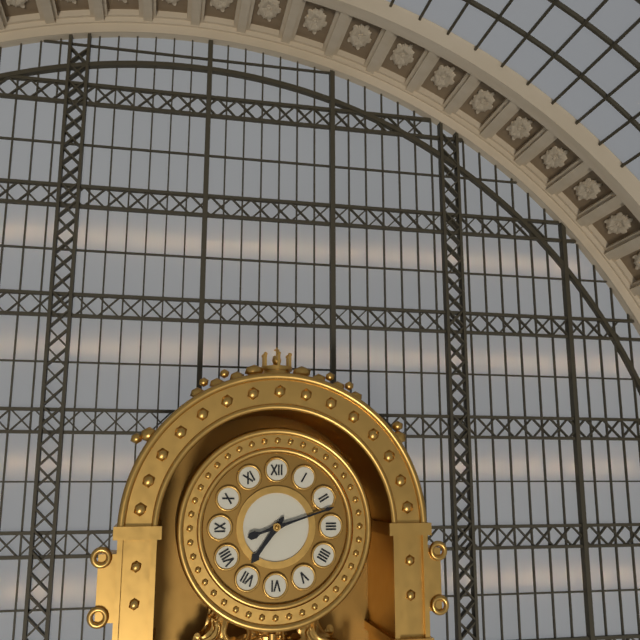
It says 7:12
